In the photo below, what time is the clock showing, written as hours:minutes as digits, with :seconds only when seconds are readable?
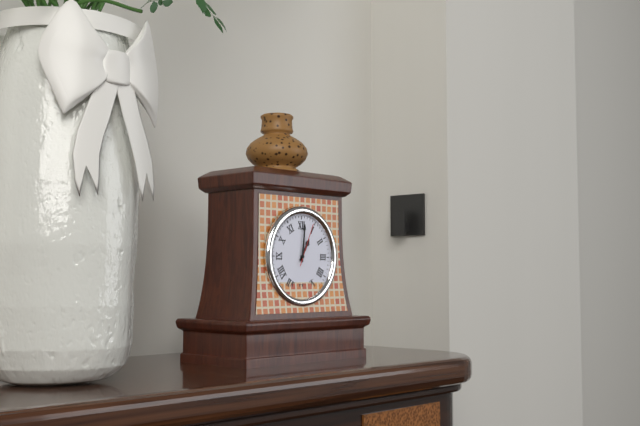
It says 1:01
